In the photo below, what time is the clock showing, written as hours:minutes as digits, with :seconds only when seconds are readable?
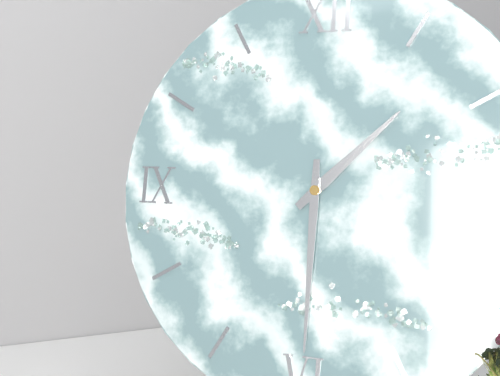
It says 1:30
